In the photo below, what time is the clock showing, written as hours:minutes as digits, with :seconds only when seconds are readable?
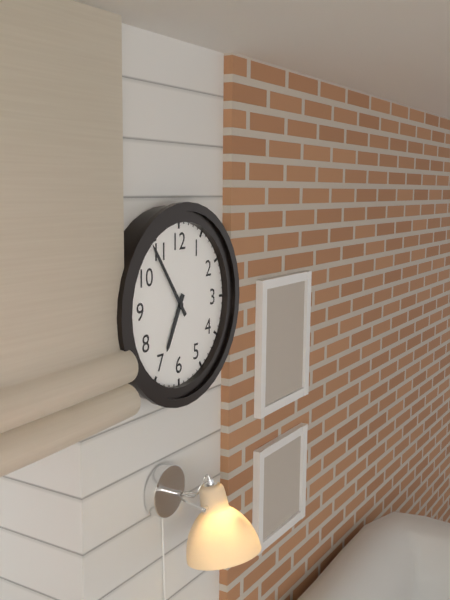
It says 6:54
